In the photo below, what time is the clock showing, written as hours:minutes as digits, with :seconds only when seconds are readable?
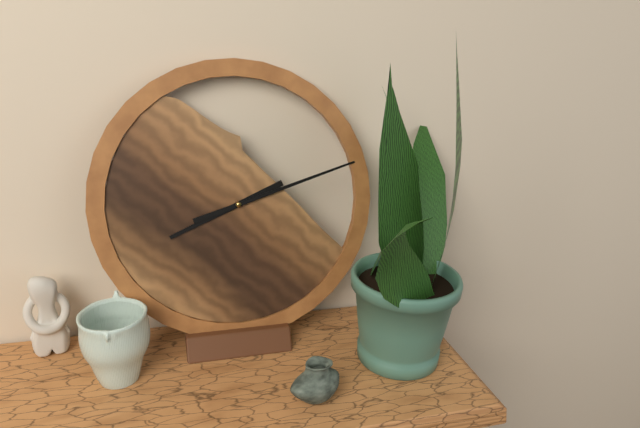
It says 8:12
